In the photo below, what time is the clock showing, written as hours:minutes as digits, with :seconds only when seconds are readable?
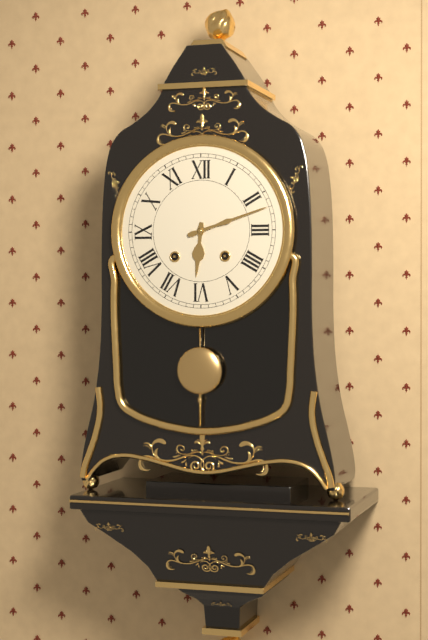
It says 6:12
